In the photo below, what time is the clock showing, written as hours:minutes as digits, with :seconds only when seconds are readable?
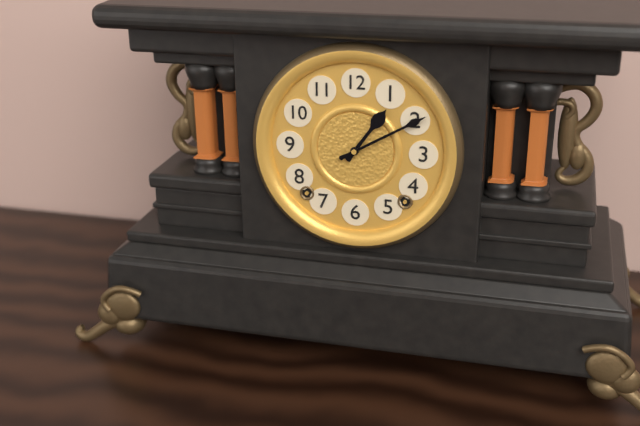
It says 1:10
